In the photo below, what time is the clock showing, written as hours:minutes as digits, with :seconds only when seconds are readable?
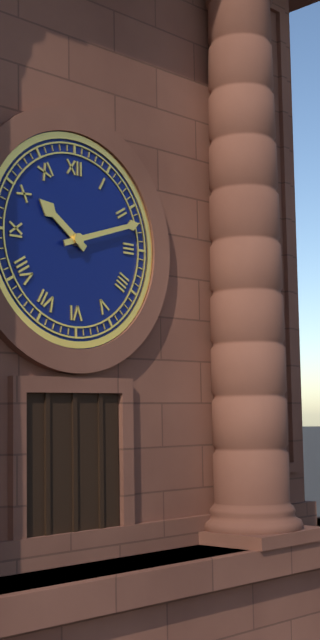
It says 10:12
